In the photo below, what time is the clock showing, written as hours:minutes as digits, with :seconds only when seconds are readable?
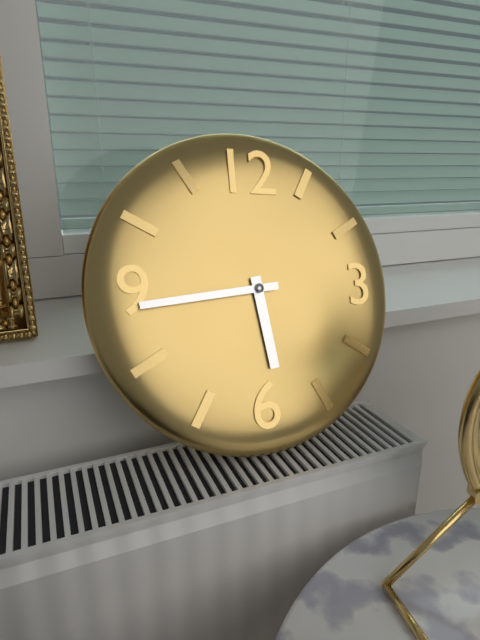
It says 5:44
